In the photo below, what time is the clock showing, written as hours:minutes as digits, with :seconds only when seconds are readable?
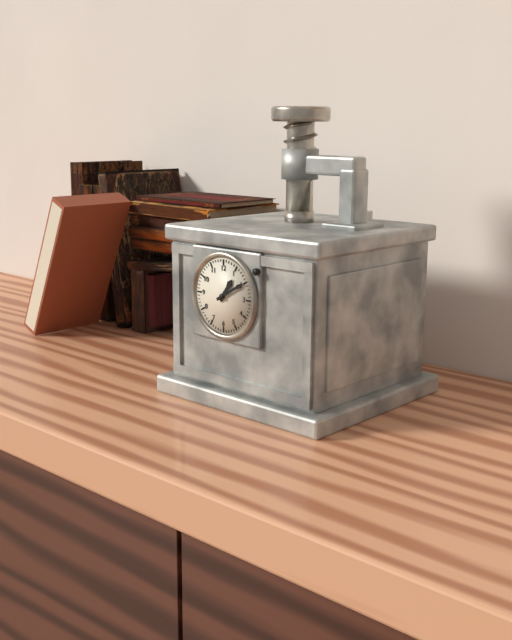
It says 1:10
